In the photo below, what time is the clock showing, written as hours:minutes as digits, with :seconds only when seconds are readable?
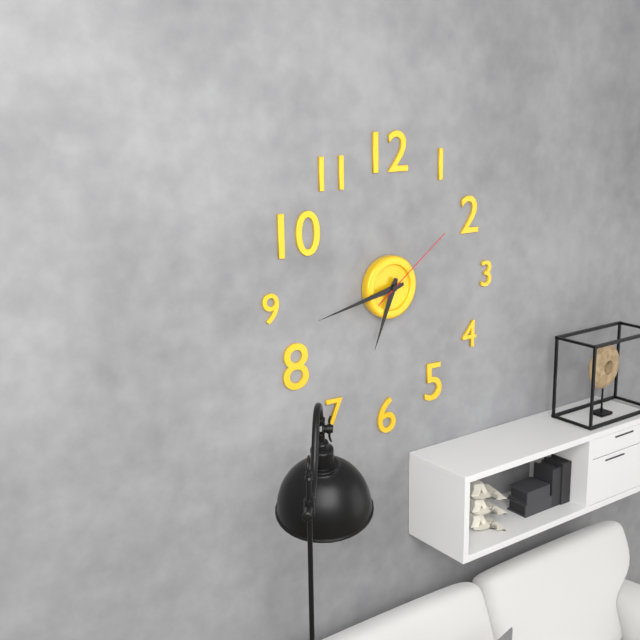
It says 6:43:09
